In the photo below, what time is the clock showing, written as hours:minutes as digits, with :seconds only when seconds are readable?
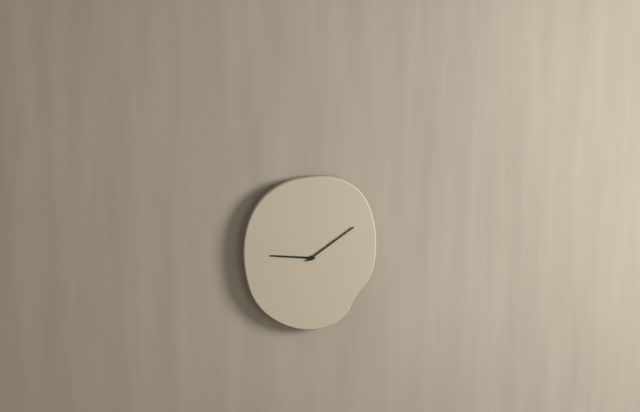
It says 9:09
